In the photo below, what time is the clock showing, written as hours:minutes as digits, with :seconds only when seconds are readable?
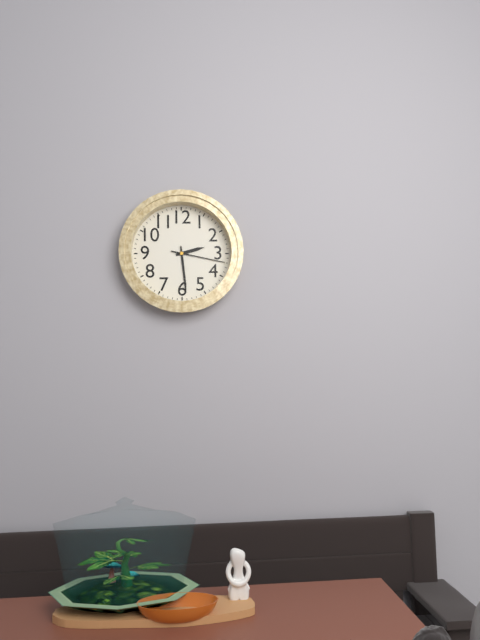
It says 2:29:17
